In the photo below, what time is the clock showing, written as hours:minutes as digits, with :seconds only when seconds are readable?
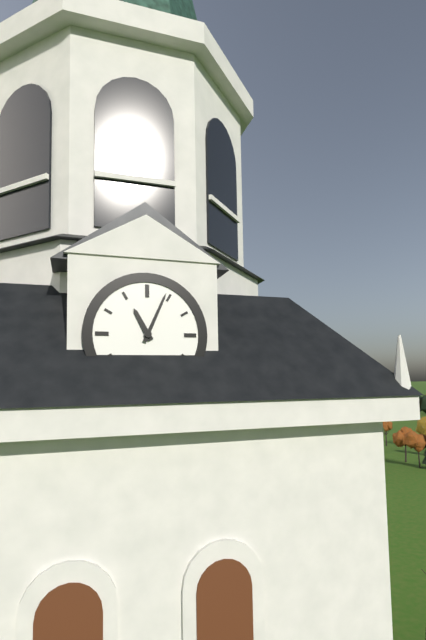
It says 11:04
